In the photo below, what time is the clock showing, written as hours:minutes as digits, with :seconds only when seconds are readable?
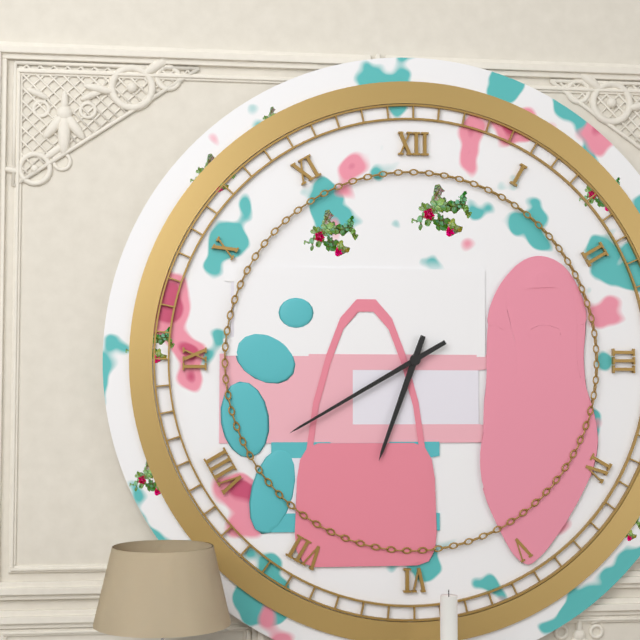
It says 6:40
